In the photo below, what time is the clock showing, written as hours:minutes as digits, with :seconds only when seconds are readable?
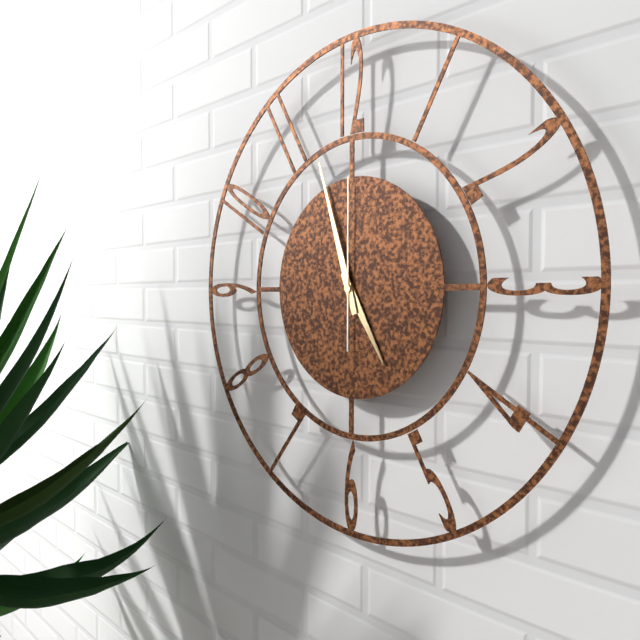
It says 4:57:00
